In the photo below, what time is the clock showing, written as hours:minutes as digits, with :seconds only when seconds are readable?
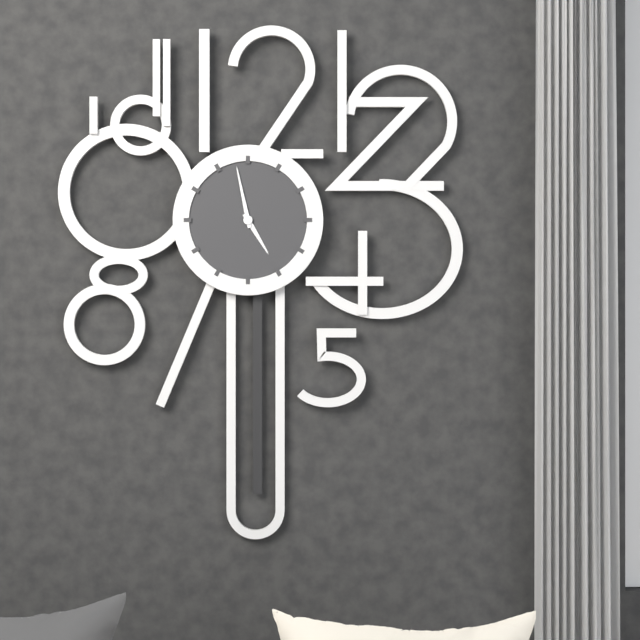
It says 4:58
